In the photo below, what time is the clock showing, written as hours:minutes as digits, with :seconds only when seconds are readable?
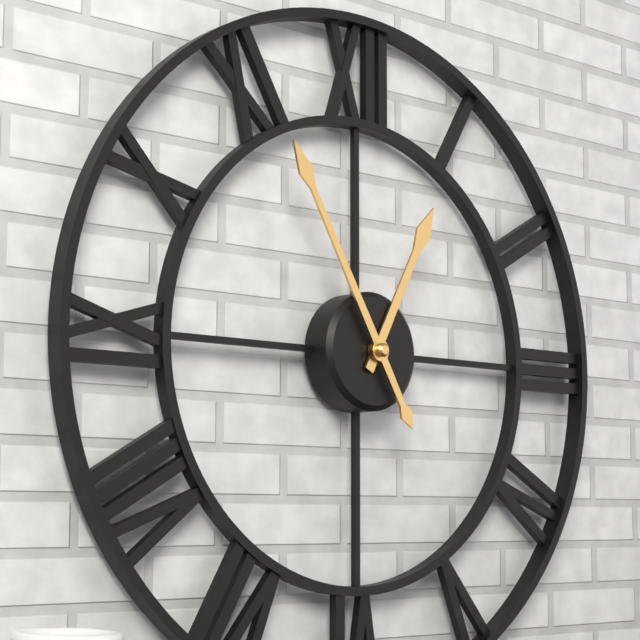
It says 12:55
